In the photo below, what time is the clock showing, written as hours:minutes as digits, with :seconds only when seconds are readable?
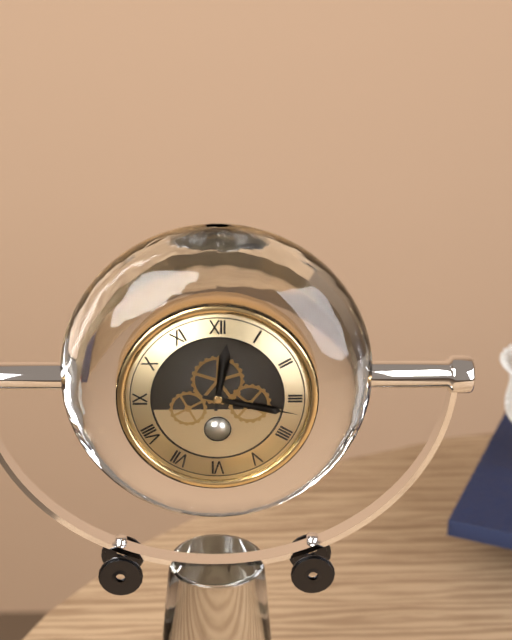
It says 12:17
